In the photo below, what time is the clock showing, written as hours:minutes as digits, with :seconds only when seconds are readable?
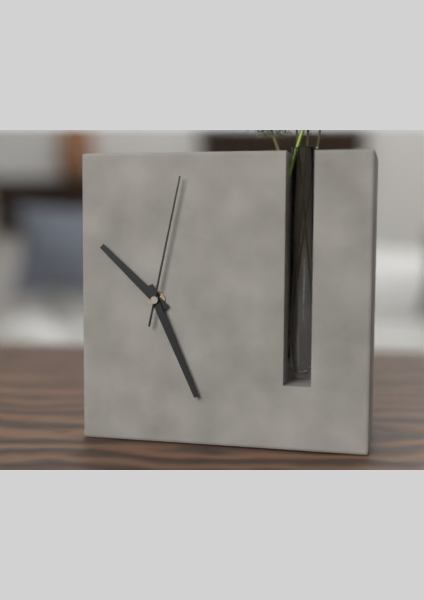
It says 10:26:02
